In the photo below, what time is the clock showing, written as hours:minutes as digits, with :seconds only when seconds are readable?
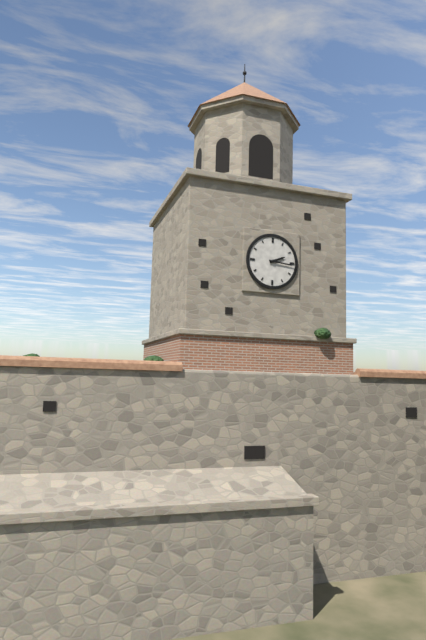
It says 2:16
